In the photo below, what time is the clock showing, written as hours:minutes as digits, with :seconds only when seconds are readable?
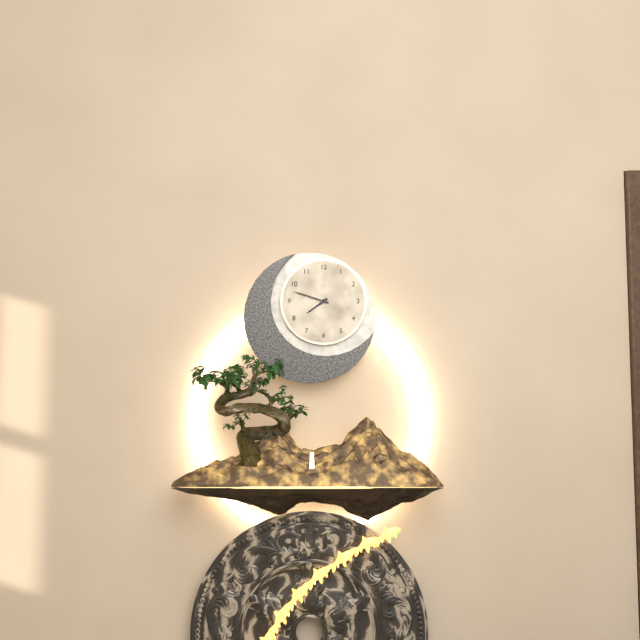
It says 7:48
